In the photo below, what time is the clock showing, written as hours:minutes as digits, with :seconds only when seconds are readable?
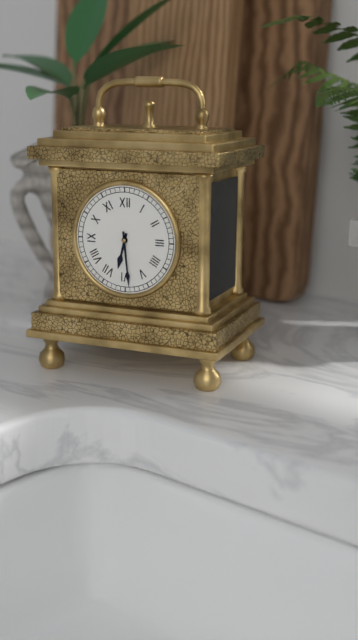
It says 6:29
